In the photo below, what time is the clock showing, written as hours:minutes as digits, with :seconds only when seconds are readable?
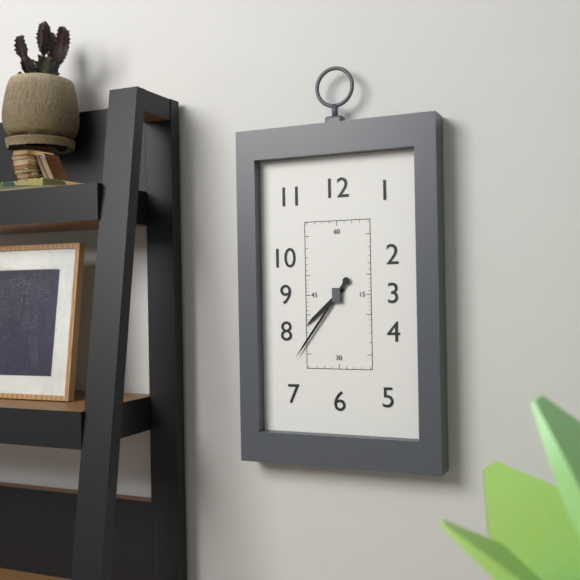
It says 7:36
